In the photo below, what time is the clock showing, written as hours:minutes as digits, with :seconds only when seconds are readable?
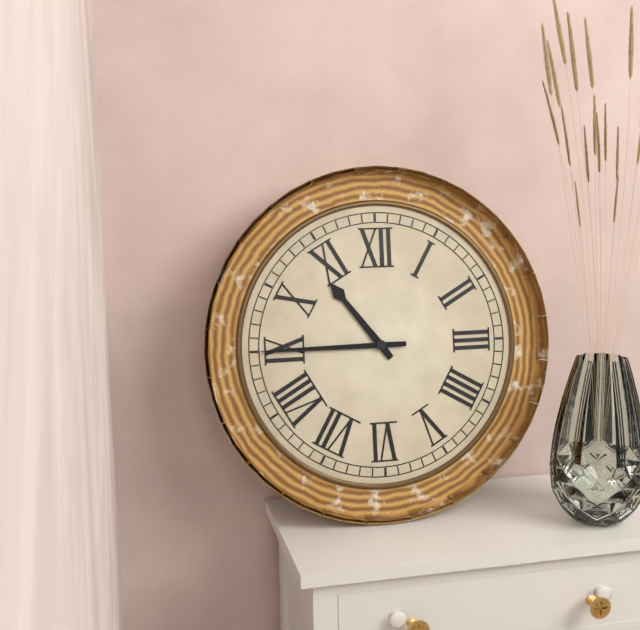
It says 10:45
